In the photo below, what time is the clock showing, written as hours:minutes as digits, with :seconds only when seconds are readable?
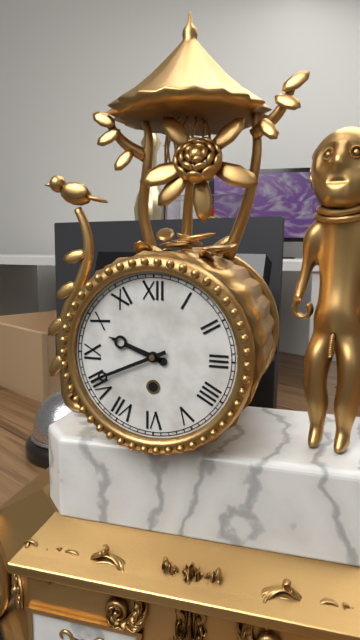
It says 9:41
